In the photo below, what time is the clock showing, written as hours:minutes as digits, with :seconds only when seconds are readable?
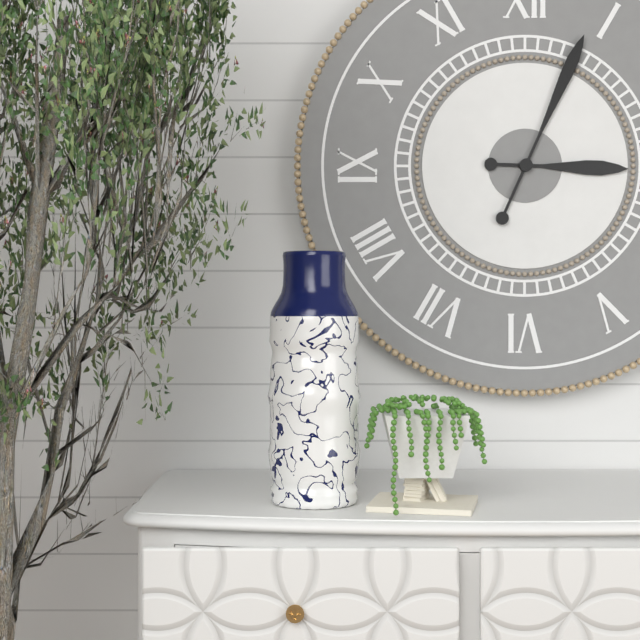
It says 3:04
